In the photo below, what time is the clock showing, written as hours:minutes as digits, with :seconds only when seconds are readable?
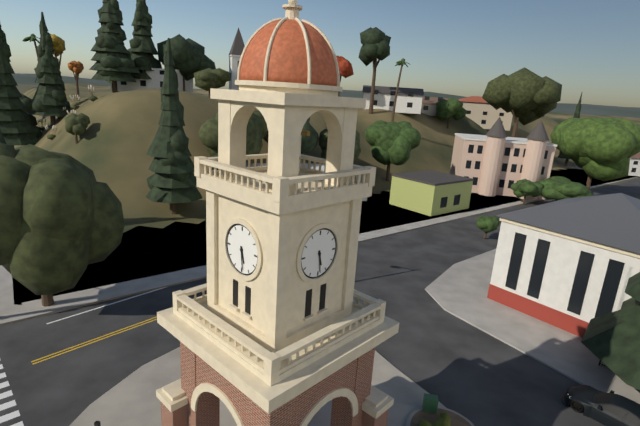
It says 5:29
